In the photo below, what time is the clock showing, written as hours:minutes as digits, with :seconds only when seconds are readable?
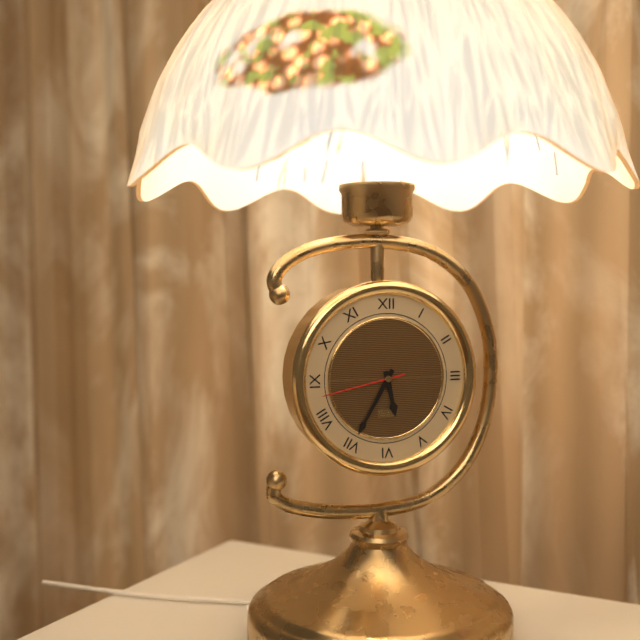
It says 5:35:43
